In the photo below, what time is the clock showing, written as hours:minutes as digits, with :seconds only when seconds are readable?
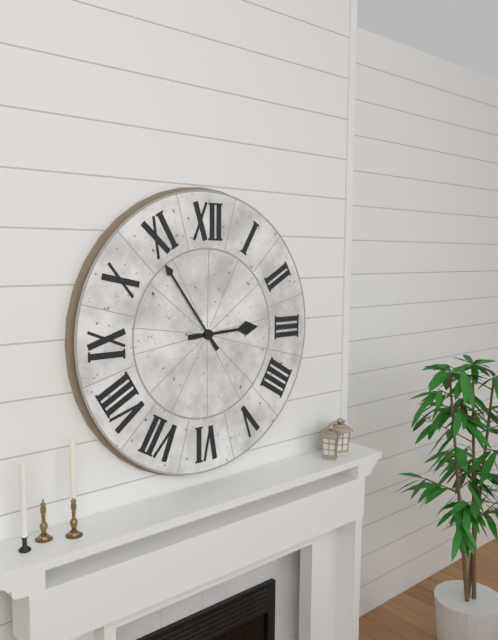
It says 2:54
